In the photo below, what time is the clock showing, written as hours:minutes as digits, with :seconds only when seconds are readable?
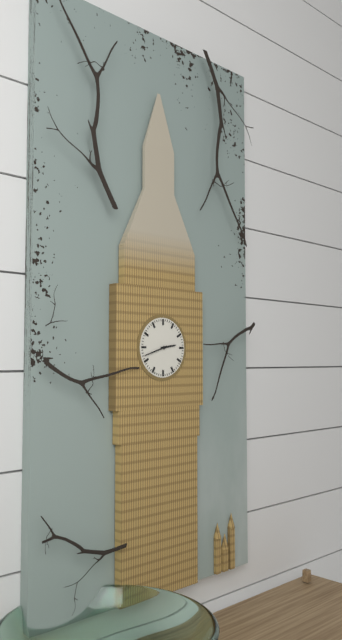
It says 2:42
